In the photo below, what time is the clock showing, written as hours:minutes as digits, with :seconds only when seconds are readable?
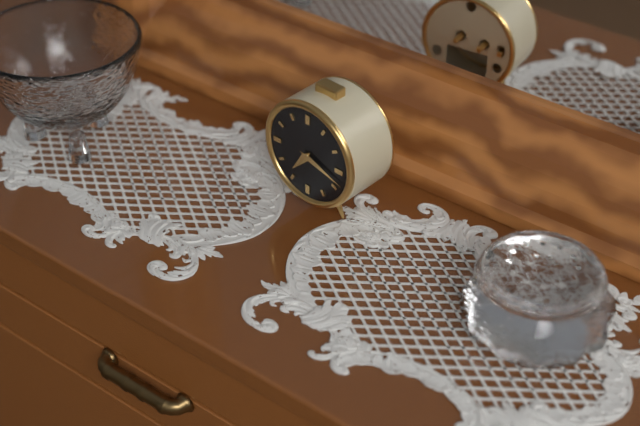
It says 7:18
